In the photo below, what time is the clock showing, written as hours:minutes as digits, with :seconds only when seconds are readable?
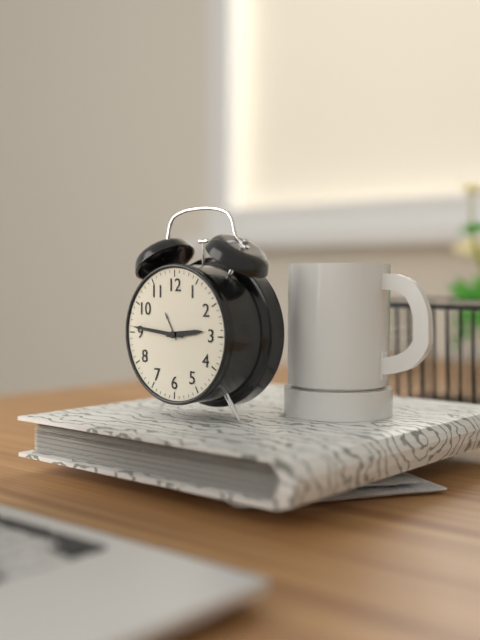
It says 2:46
